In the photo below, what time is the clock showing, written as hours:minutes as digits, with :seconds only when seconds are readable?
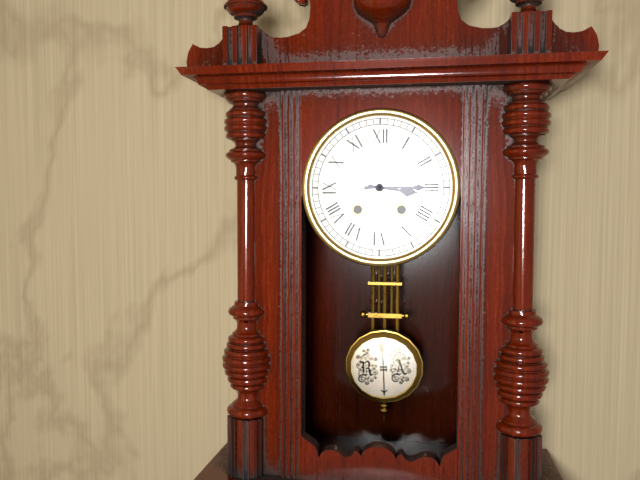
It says 3:15
